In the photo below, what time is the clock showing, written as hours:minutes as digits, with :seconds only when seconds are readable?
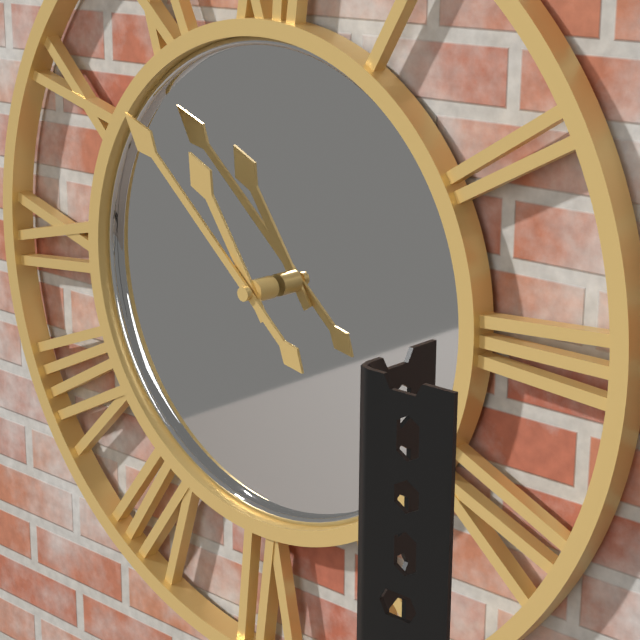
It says 10:52
